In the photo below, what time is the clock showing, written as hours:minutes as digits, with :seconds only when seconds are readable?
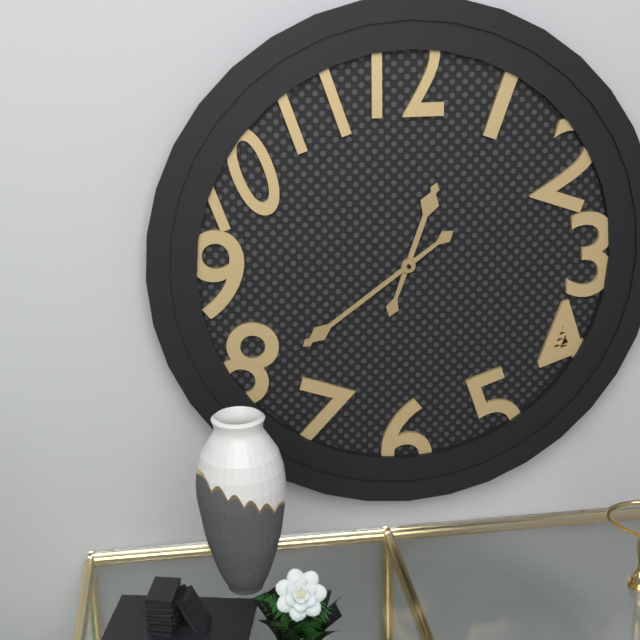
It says 12:39
